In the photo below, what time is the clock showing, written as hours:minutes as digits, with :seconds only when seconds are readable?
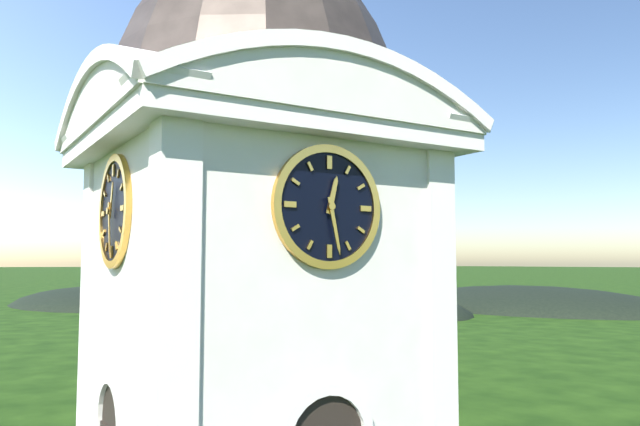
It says 12:28
